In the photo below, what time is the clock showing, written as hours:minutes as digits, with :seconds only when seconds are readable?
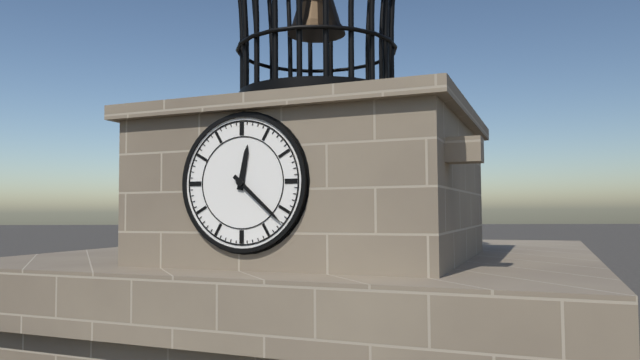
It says 12:22
